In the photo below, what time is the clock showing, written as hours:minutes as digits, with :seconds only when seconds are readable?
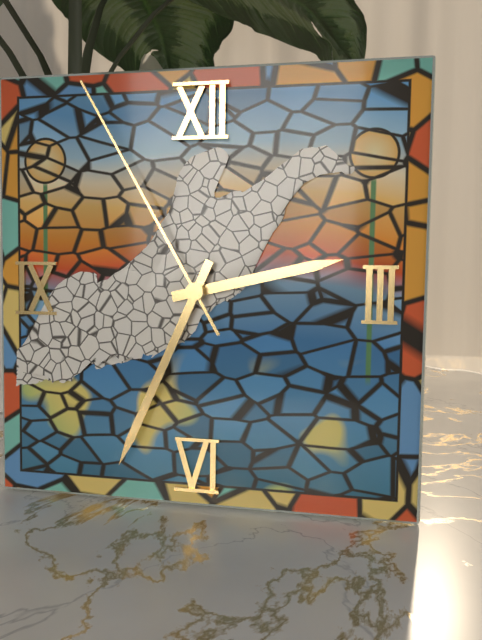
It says 2:34:55
